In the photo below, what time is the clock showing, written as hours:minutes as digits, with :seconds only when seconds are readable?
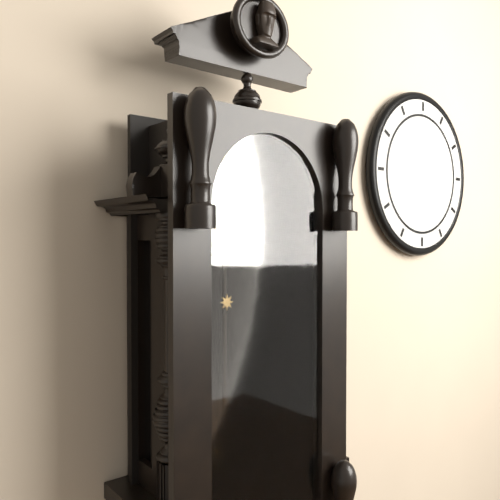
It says 6:01
